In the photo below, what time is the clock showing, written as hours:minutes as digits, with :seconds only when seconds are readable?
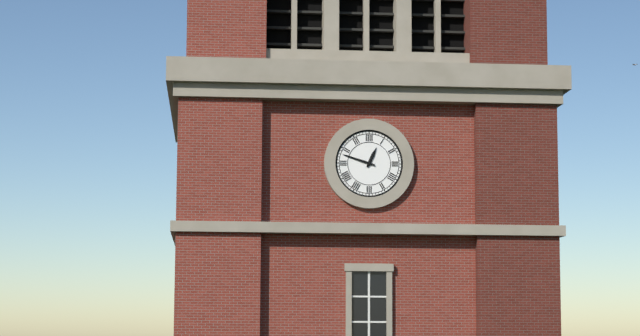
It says 12:48
